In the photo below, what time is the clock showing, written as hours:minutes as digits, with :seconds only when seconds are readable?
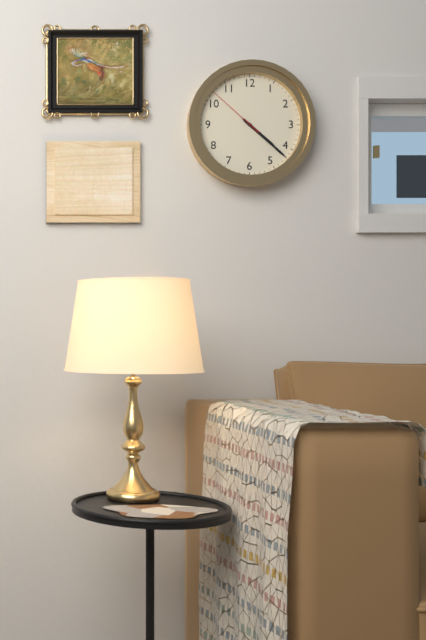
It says 4:22:52
